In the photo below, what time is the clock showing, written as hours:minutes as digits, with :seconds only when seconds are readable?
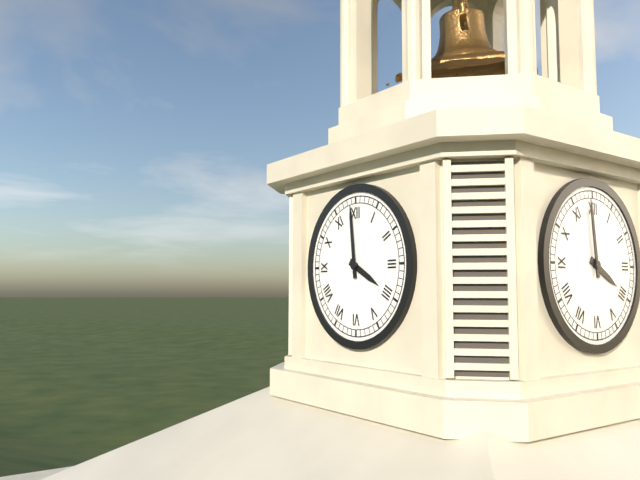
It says 3:59
